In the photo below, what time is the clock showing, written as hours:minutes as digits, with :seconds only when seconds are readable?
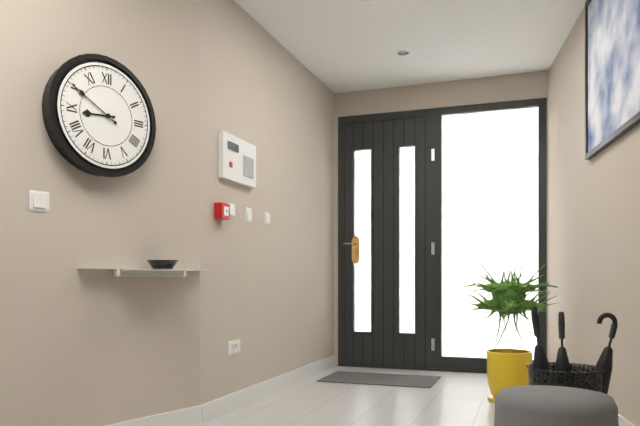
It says 8:50
